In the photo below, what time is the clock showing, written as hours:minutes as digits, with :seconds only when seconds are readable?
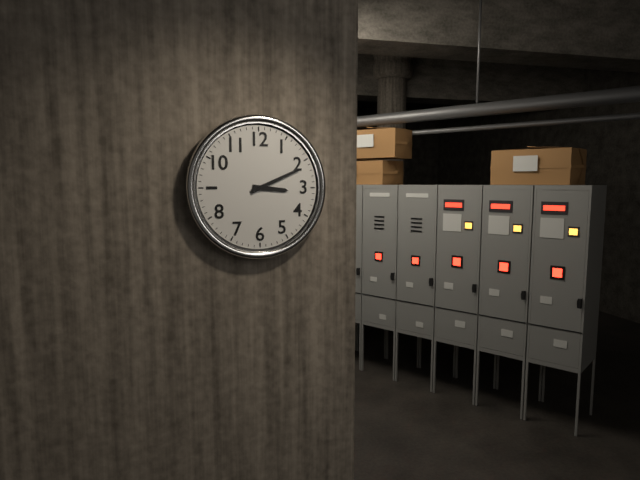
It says 3:11
